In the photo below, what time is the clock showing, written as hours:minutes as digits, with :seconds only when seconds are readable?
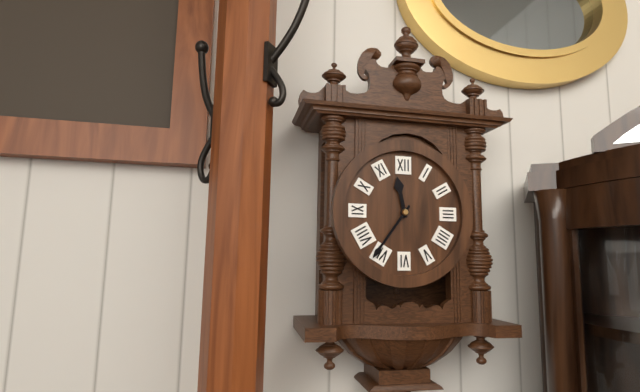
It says 11:36
